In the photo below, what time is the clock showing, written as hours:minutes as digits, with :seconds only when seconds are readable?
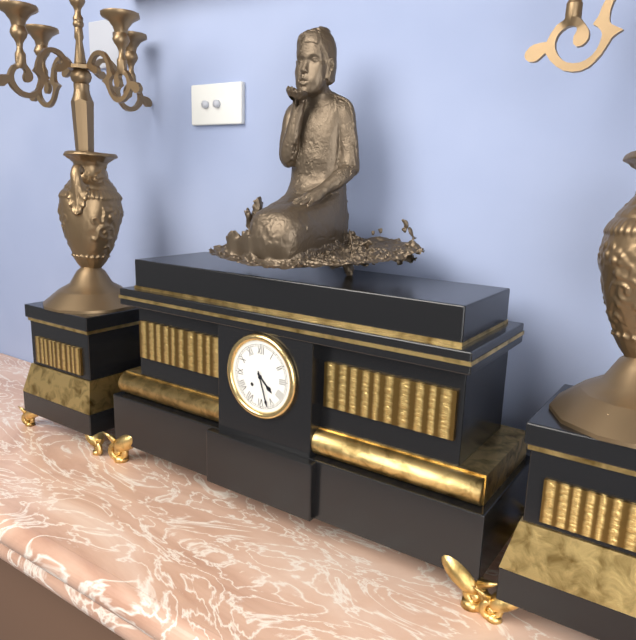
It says 4:27
